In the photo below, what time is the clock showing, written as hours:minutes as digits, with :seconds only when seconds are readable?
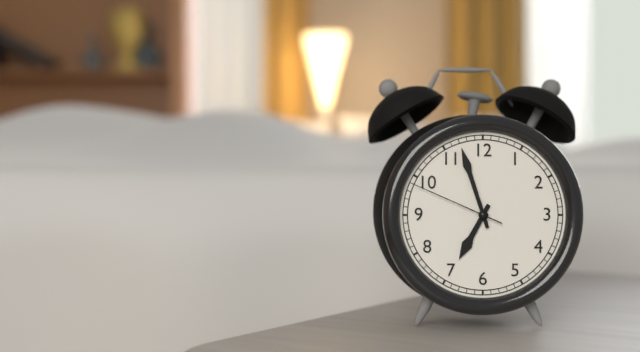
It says 6:57:49
